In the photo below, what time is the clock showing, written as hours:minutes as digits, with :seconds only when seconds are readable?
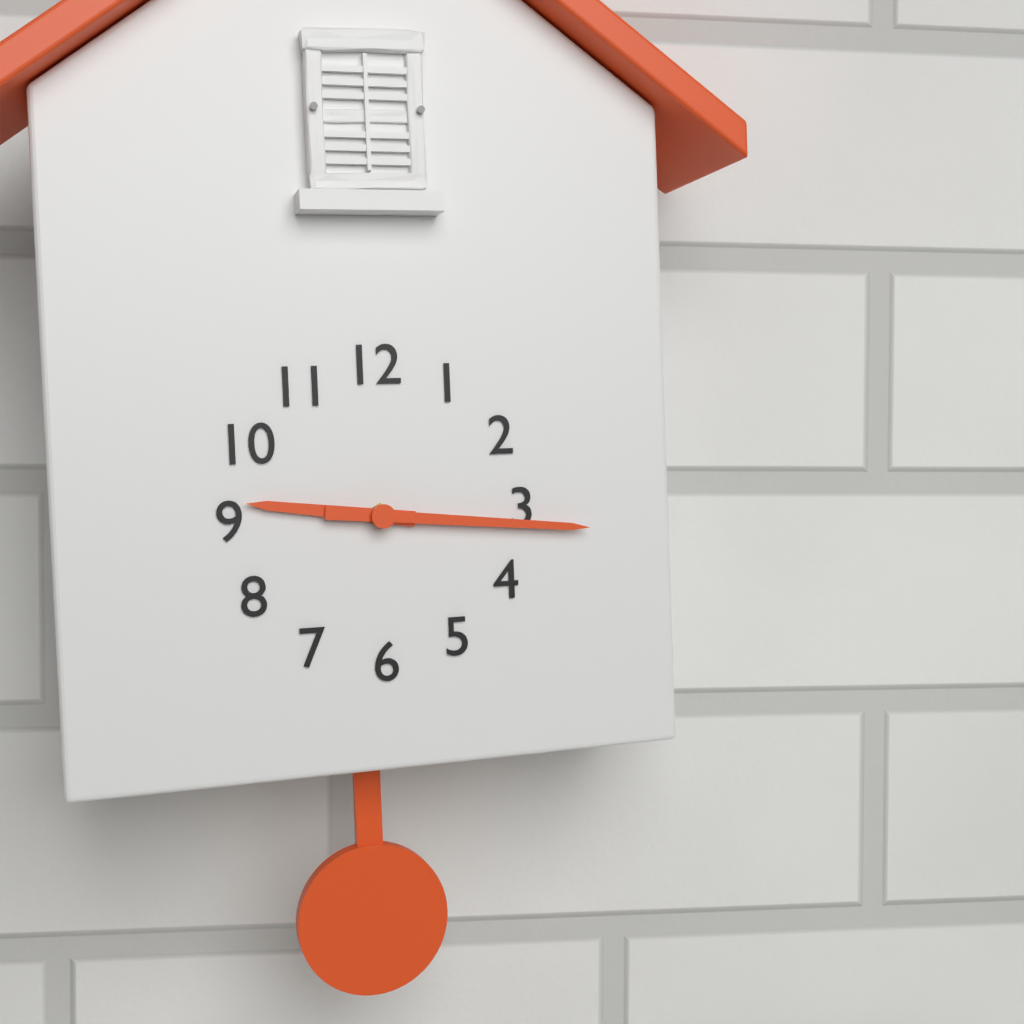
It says 9:16
